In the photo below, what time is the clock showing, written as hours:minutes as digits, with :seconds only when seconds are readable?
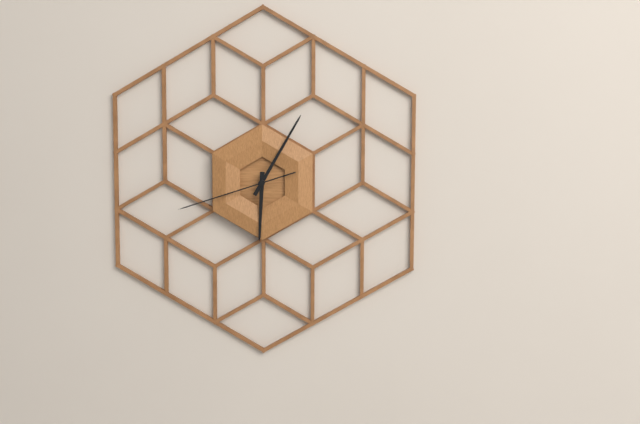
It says 6:05:42
